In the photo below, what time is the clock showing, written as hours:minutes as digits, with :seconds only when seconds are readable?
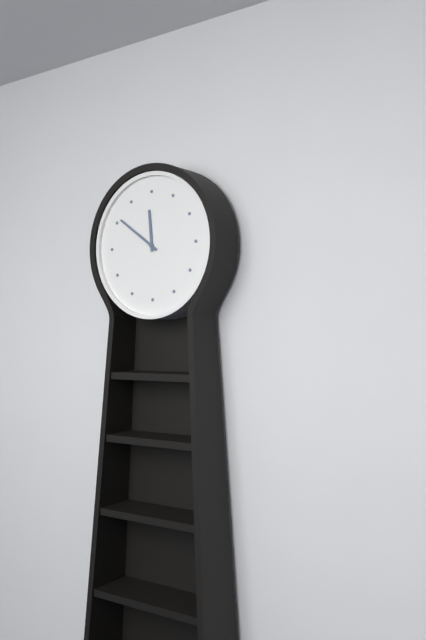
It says 11:51
